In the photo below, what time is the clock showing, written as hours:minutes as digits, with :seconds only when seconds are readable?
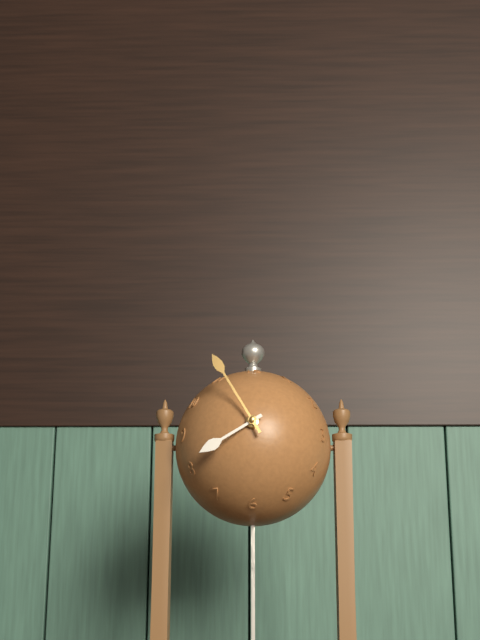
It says 7:55
